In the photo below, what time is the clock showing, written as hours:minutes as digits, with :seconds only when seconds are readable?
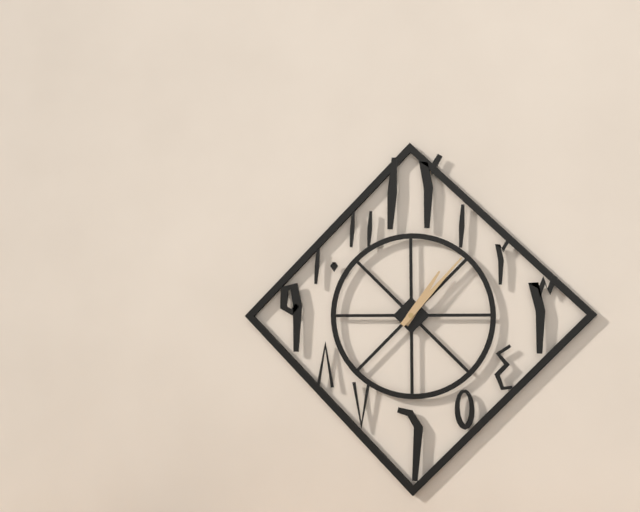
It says 1:07
